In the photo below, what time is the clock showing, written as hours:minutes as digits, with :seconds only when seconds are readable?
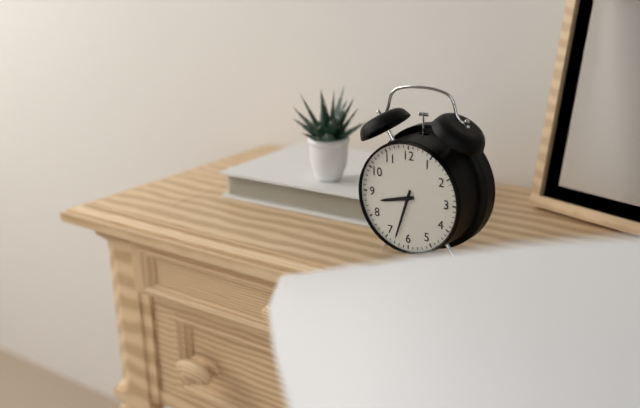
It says 8:33
